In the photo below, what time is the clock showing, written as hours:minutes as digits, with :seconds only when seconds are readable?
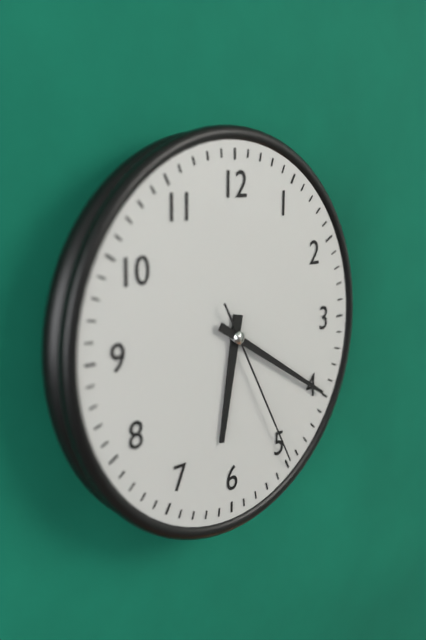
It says 6:20:25
